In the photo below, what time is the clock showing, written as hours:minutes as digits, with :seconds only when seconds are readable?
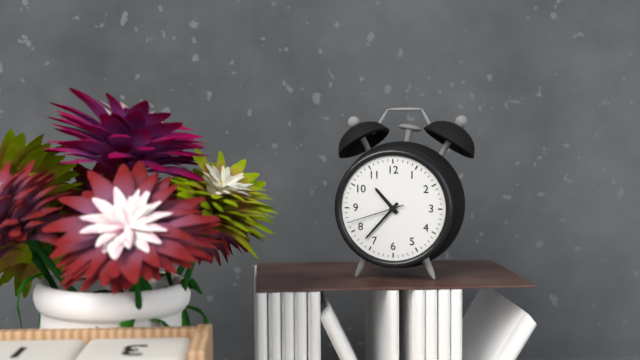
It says 10:37:42
